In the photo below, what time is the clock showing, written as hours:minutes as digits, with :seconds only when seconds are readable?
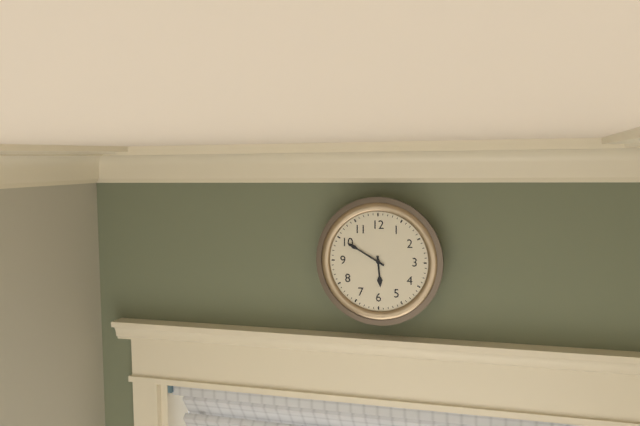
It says 5:50
